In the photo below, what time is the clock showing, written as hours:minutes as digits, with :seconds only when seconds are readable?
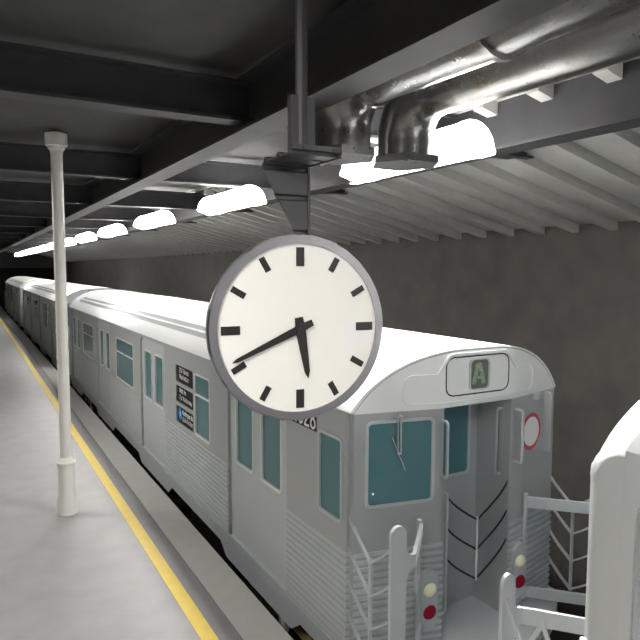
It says 5:41
